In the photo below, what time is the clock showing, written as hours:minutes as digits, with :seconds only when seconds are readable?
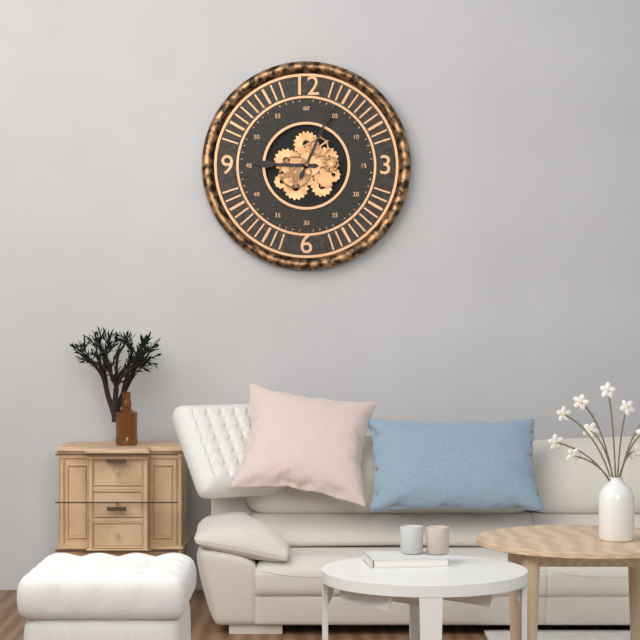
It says 9:04
